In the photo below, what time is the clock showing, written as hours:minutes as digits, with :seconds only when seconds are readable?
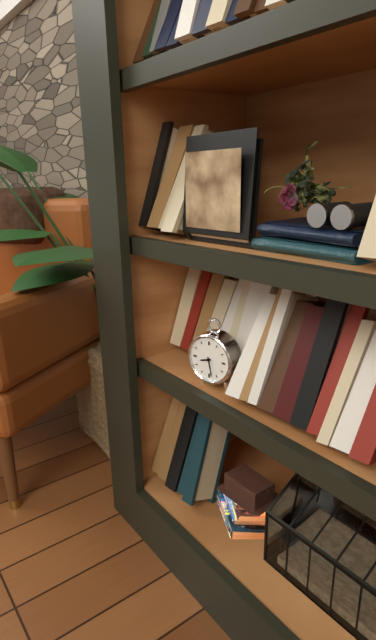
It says 8:28
